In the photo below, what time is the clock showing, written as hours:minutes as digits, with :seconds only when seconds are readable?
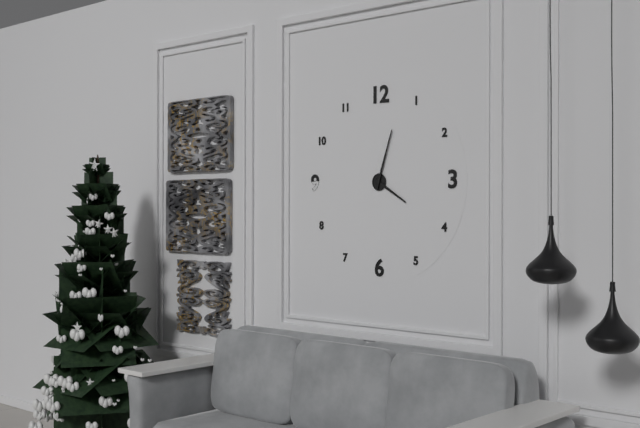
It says 4:03
